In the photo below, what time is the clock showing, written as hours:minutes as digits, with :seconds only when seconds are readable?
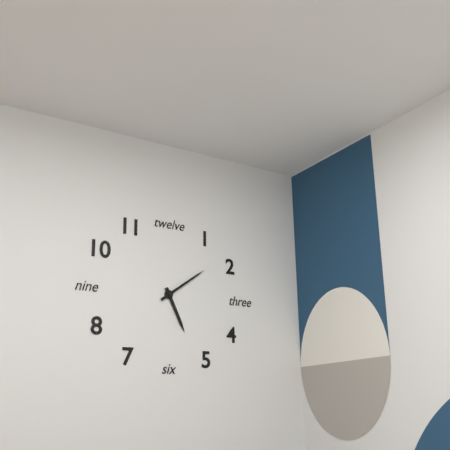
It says 5:09
